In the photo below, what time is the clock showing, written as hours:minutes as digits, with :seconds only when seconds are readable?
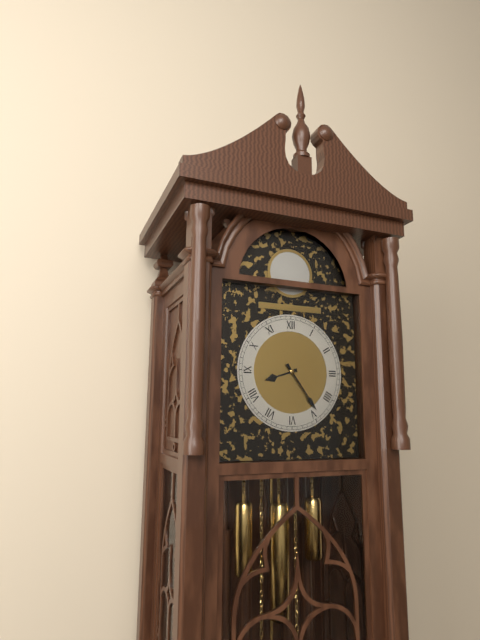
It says 8:24
